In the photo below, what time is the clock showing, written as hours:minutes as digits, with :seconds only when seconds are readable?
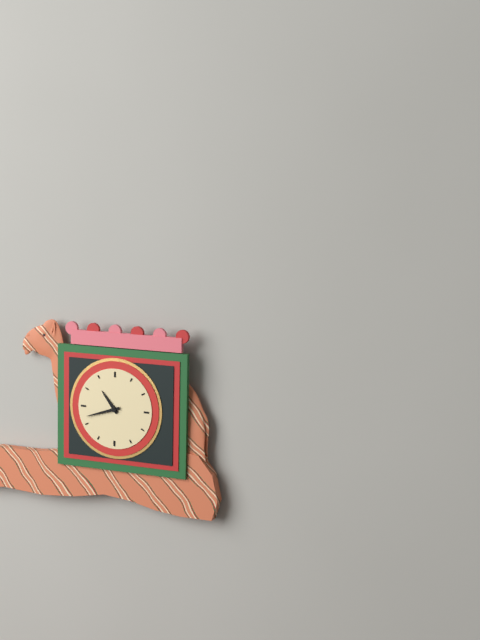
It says 10:42
